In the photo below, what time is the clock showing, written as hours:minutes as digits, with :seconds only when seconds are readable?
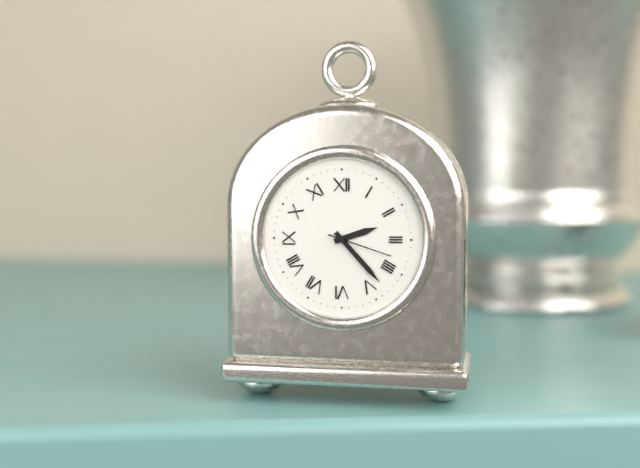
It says 2:23:18
